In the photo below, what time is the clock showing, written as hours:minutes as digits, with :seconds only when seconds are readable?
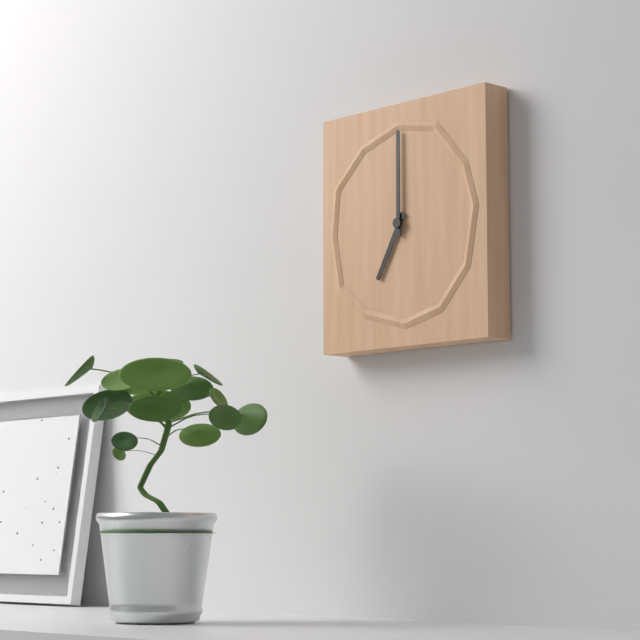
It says 7:00
